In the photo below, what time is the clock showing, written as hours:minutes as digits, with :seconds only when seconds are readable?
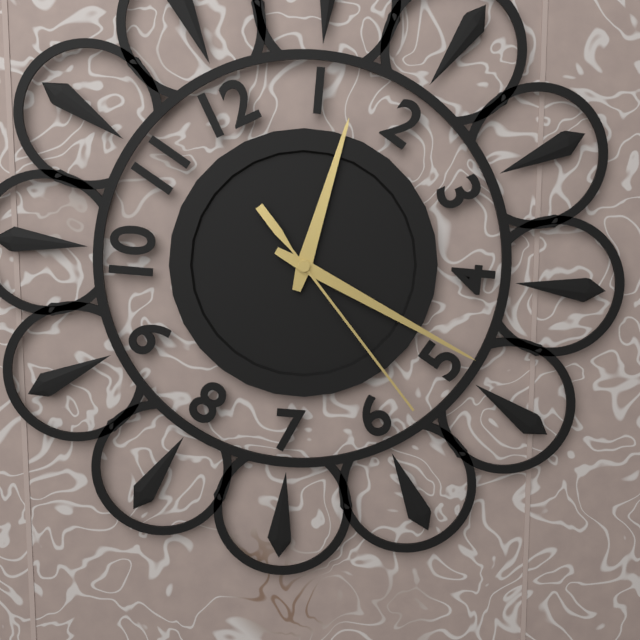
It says 1:24:28
